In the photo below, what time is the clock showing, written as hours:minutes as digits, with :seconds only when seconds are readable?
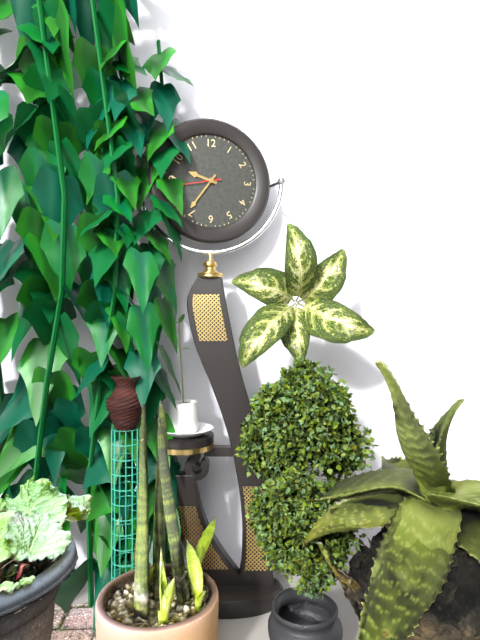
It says 9:36:43
